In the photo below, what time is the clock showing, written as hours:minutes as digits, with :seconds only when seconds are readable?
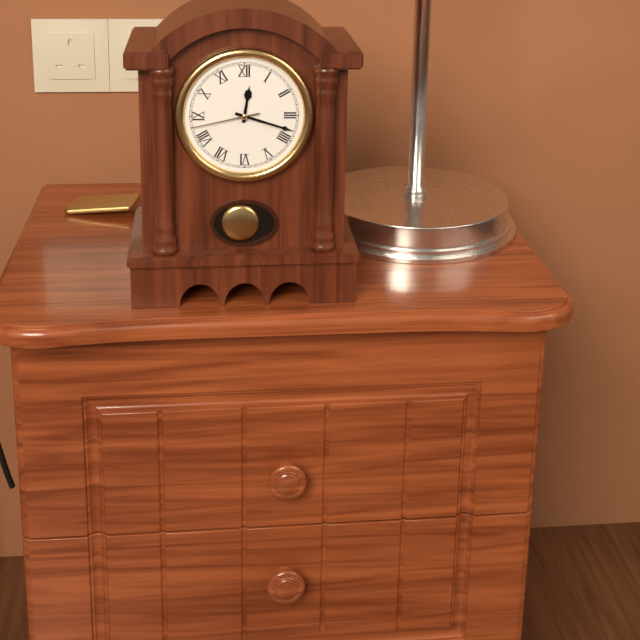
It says 12:18:43
